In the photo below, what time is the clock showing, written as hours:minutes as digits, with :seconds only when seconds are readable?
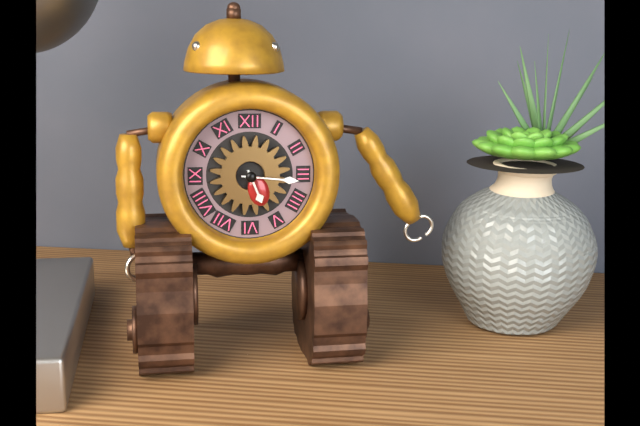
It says 5:16
